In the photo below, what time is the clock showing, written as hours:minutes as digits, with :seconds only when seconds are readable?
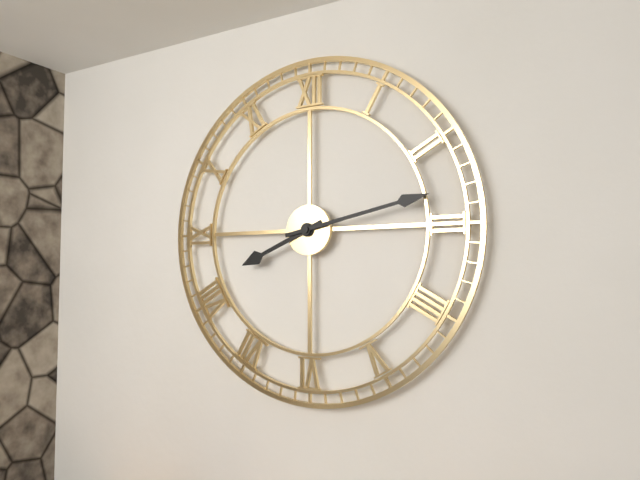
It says 8:13
